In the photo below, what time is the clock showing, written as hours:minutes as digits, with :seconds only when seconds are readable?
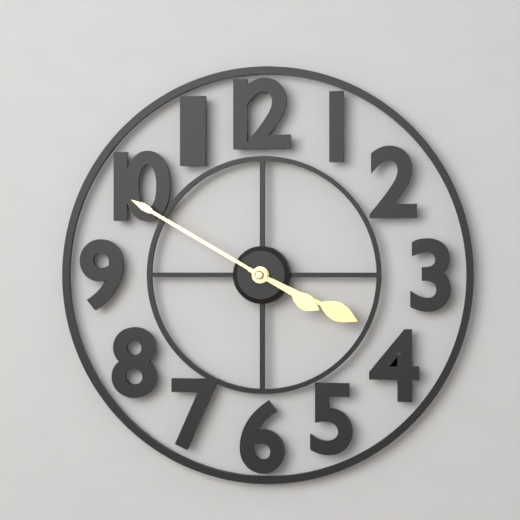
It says 3:50
